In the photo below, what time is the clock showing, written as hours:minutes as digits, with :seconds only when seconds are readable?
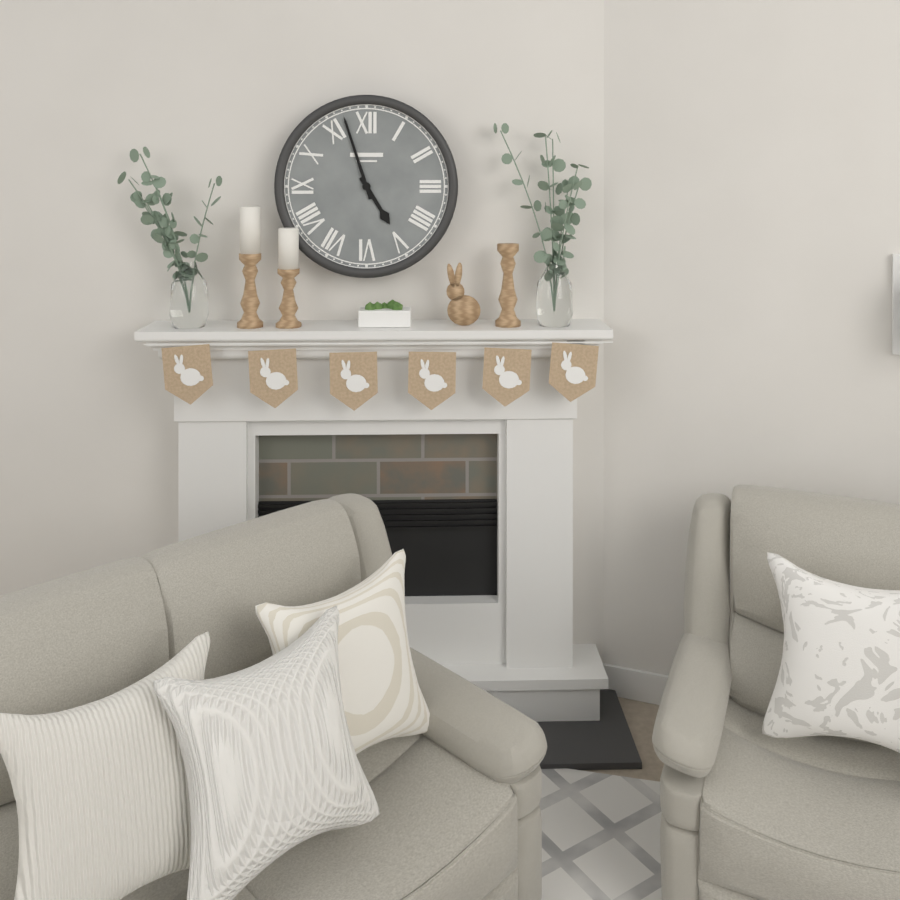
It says 4:57
